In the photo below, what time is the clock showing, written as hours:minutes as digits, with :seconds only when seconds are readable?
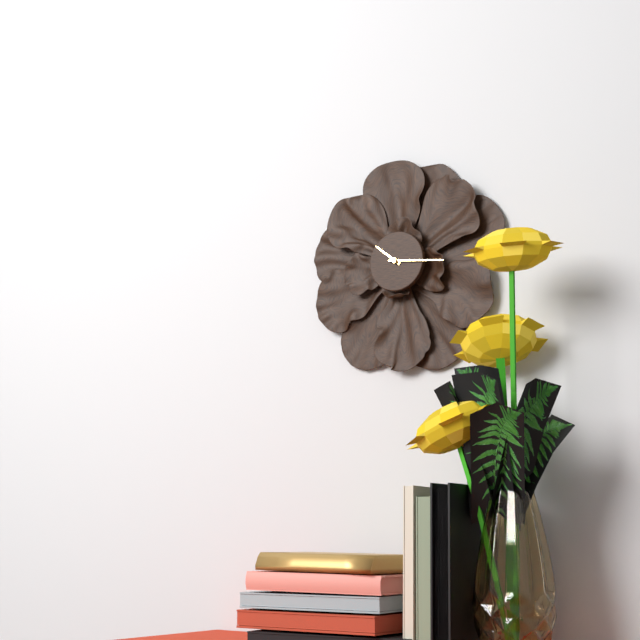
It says 10:16
